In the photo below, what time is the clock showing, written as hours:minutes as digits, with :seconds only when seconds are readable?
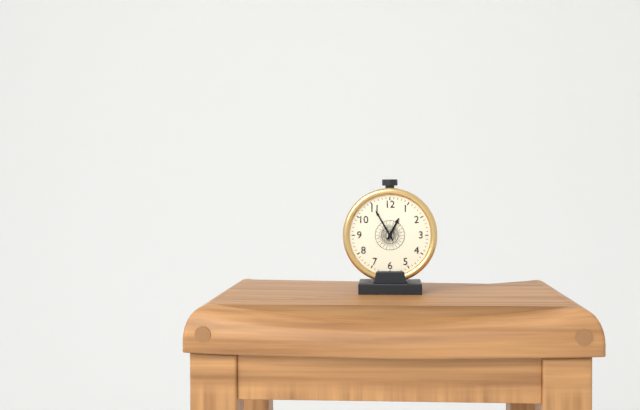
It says 12:55
